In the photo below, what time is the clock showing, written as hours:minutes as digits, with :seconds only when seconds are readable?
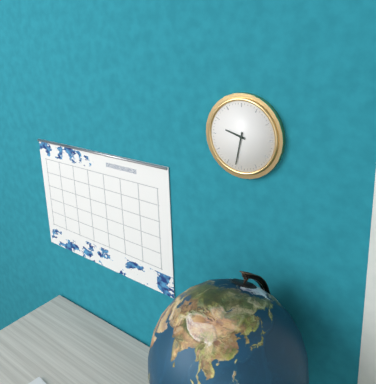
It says 9:32
